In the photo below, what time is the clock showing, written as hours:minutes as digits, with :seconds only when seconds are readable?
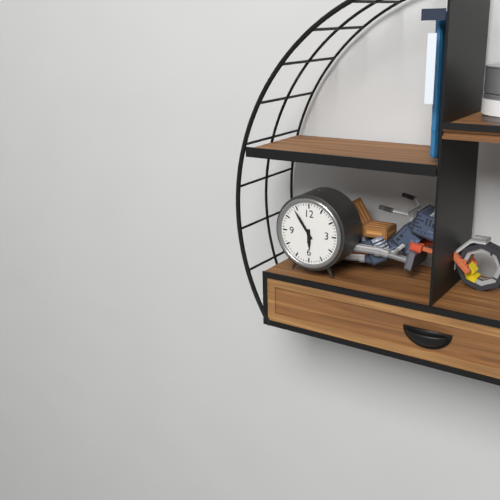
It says 5:54
